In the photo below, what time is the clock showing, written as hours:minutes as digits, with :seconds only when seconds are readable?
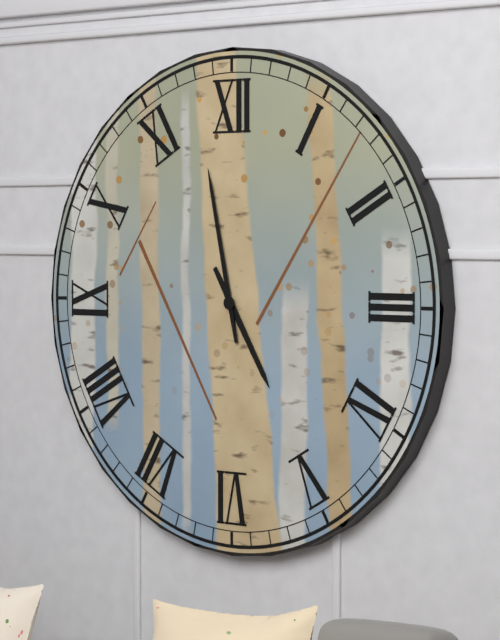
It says 4:58
